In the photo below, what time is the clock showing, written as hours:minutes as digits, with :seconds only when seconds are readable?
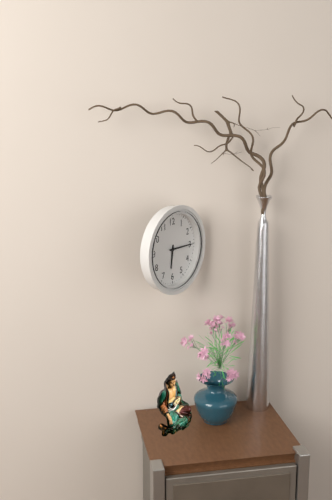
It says 6:15
